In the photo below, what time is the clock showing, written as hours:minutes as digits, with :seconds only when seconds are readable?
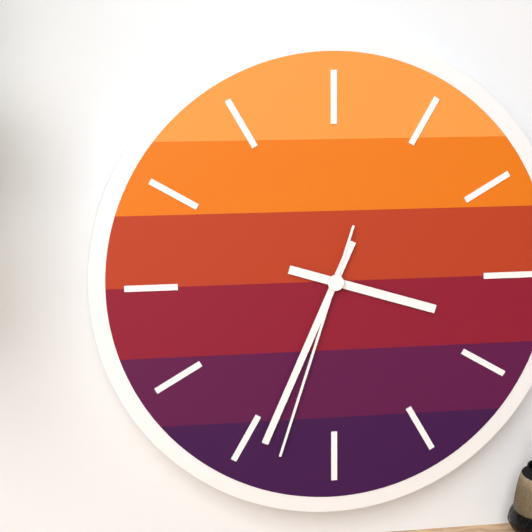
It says 3:34:33
